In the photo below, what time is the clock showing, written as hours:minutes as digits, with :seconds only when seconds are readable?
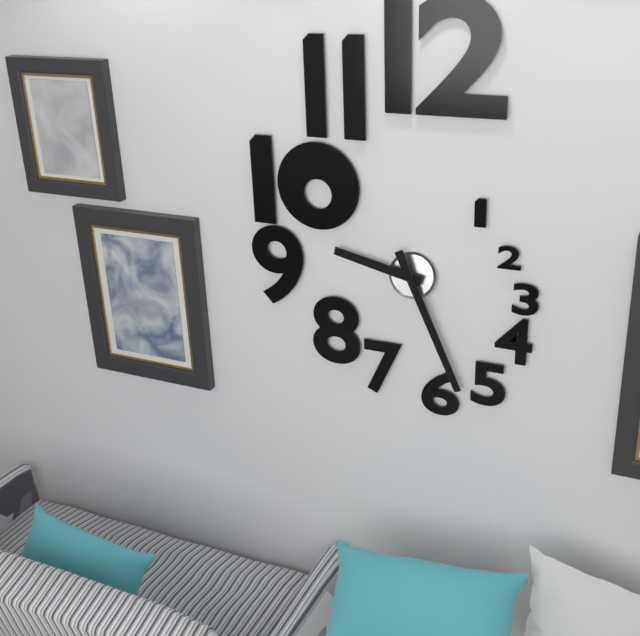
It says 9:26
